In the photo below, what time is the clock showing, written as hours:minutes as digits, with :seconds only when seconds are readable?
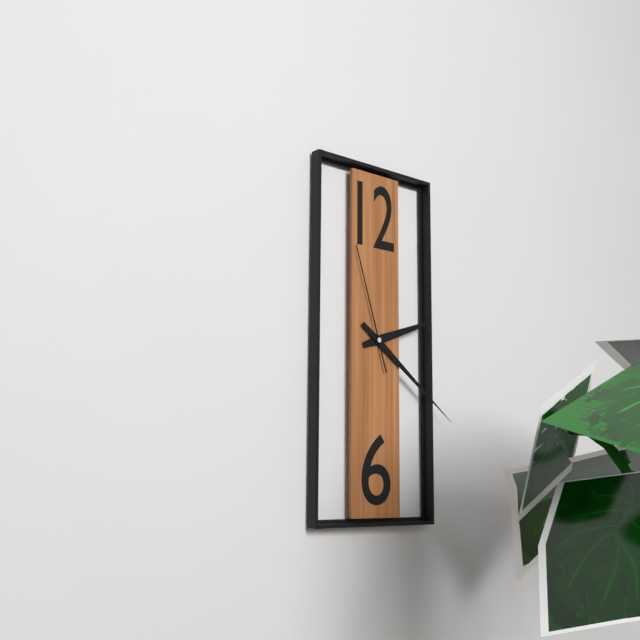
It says 2:21:57
